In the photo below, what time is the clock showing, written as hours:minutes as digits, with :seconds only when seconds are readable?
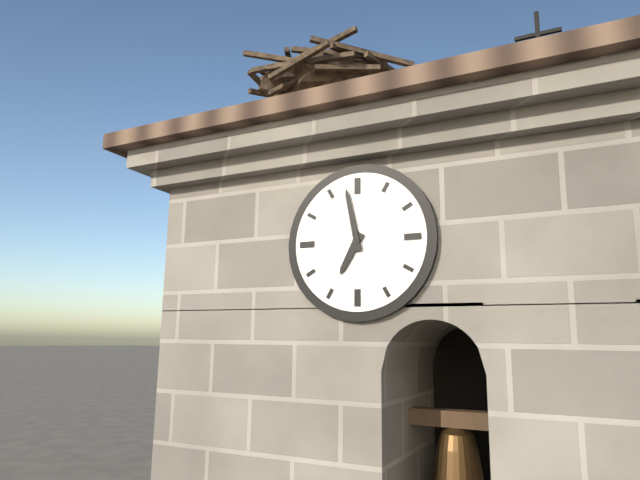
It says 6:58
